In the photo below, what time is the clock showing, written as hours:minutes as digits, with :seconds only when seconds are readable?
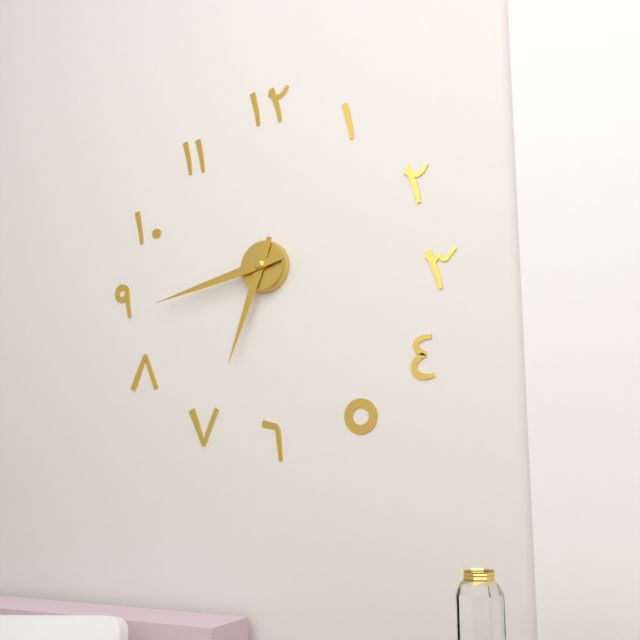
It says 6:43
